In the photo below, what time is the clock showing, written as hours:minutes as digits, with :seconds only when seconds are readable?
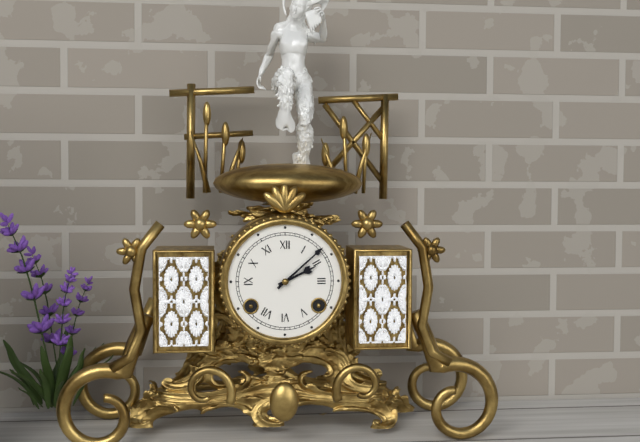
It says 2:08
